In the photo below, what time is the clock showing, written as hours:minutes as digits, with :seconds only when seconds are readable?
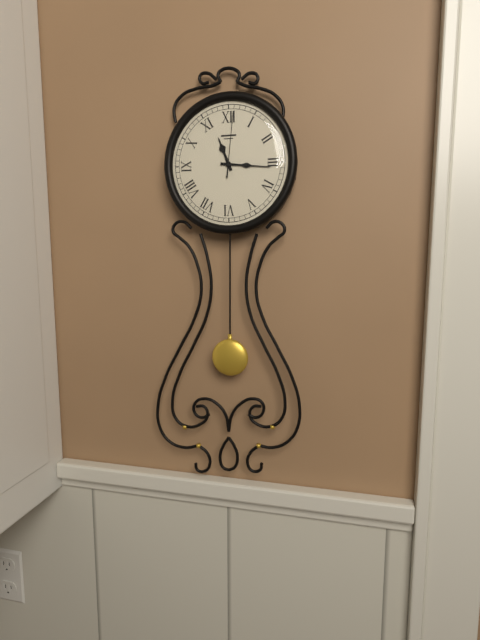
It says 11:16:01
